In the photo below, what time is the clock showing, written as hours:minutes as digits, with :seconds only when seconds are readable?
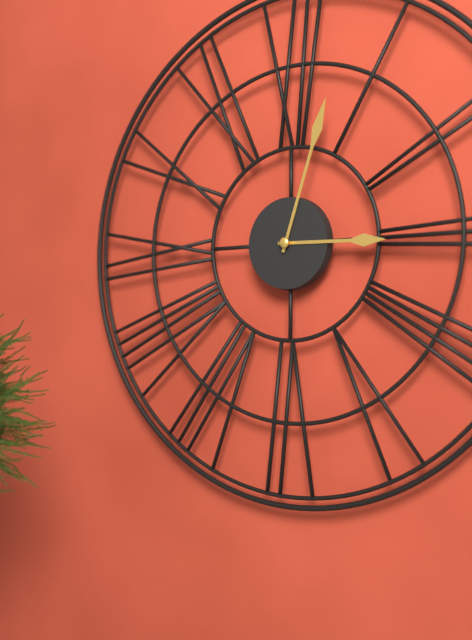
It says 3:03
